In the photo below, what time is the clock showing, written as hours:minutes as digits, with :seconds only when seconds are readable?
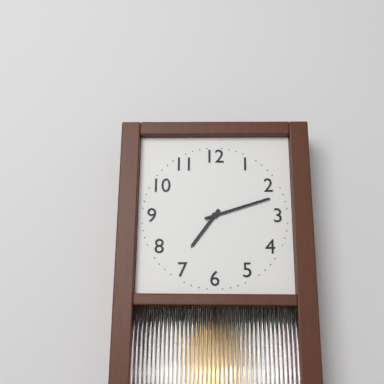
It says 7:12
